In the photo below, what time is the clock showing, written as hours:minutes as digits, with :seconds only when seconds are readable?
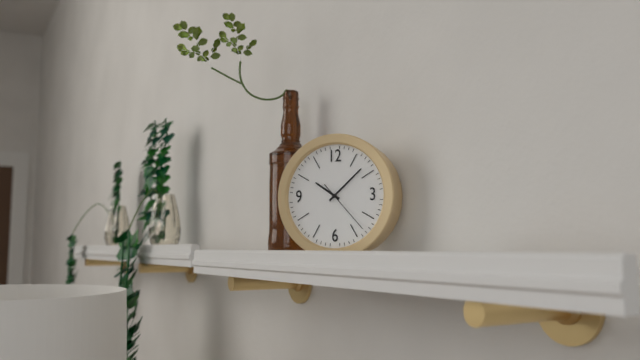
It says 10:08:23
